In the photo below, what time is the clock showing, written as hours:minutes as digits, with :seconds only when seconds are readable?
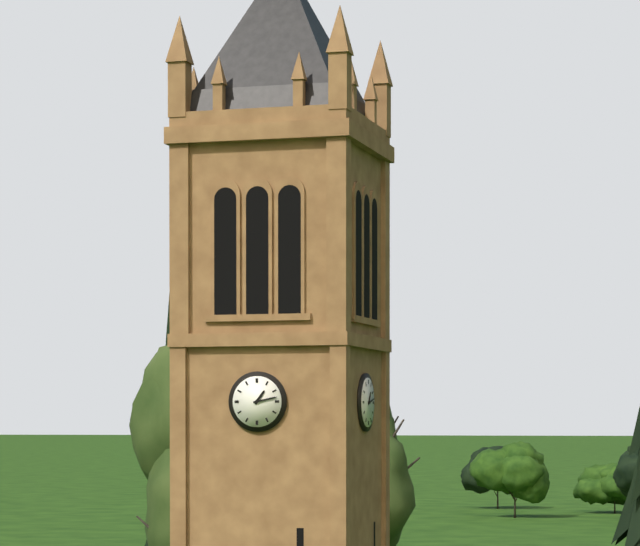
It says 1:13
